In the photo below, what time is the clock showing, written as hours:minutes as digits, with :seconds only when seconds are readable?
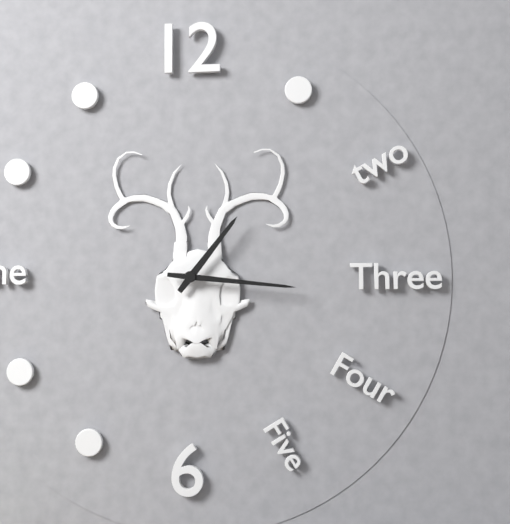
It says 1:16
